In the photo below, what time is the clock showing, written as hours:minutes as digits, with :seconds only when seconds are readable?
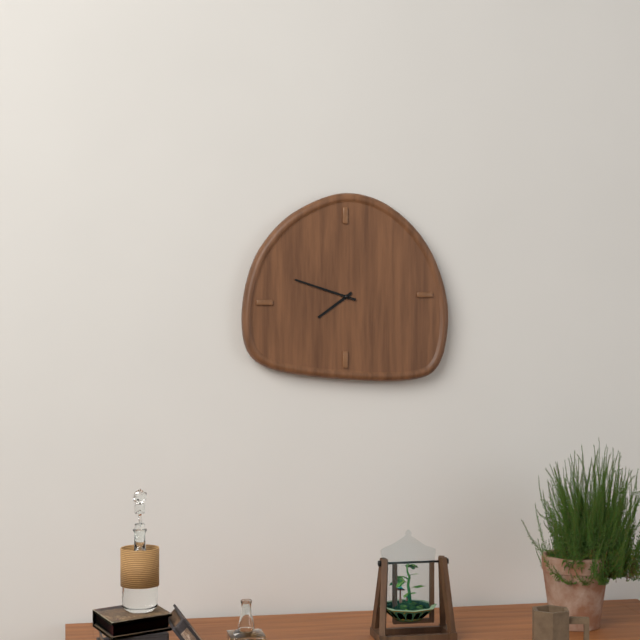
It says 7:48
